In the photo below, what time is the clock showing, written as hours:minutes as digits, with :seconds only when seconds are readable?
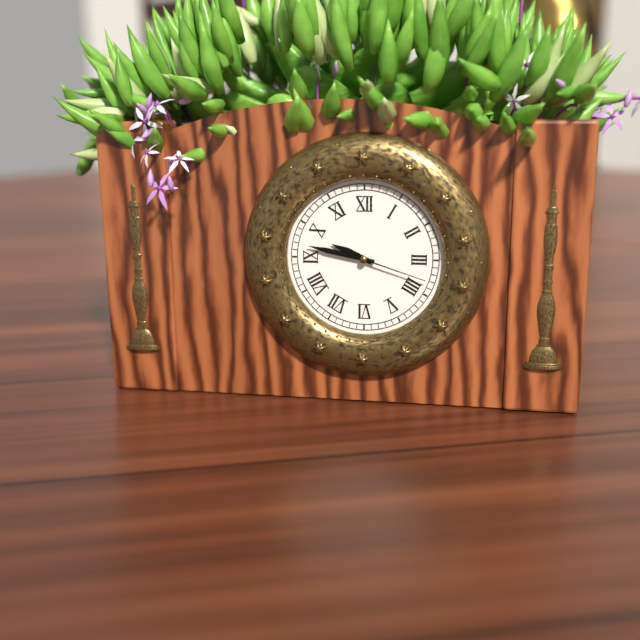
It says 9:47:18
